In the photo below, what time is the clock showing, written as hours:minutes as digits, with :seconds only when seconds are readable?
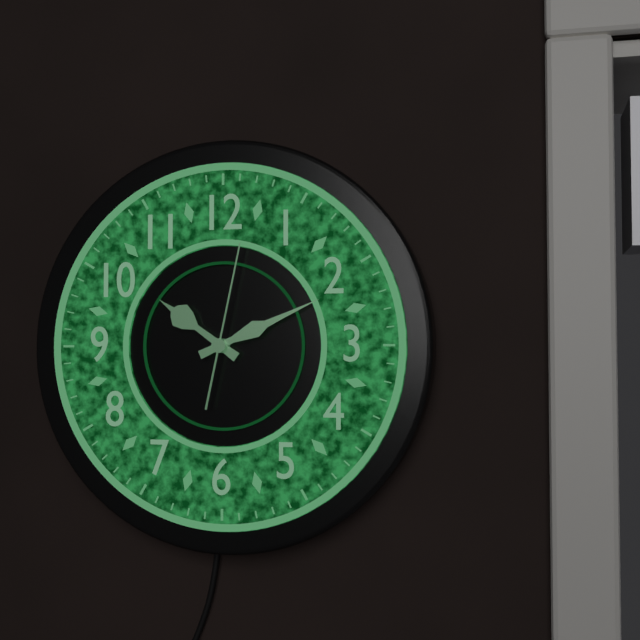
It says 10:11:02
